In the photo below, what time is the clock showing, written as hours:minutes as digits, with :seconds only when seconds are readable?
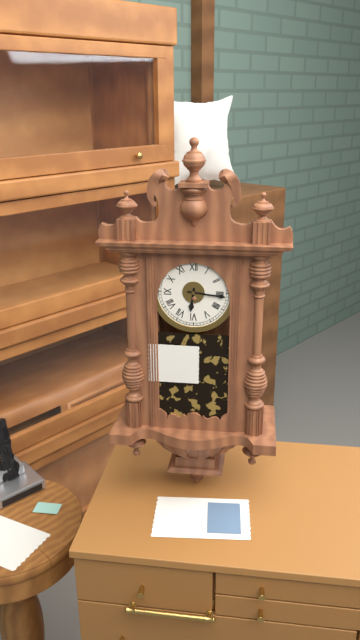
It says 6:16
